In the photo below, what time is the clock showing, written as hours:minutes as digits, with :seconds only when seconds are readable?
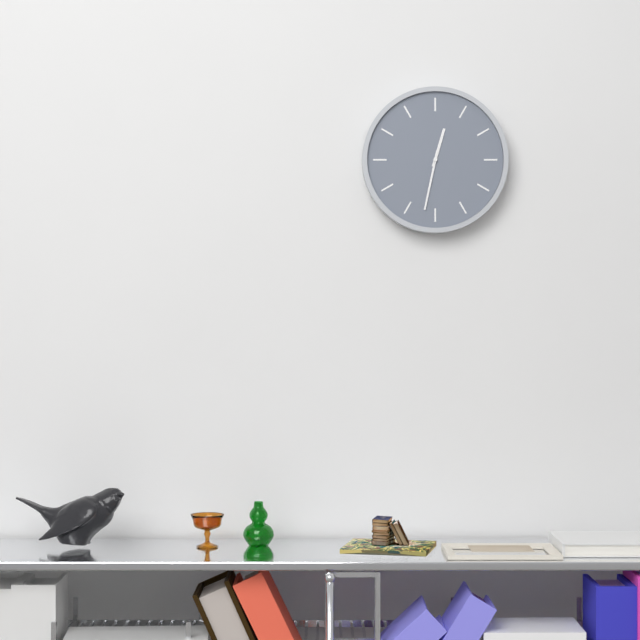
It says 12:32
